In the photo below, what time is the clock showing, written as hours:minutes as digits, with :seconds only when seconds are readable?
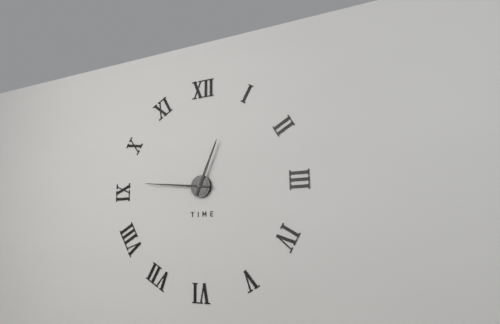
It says 12:46
